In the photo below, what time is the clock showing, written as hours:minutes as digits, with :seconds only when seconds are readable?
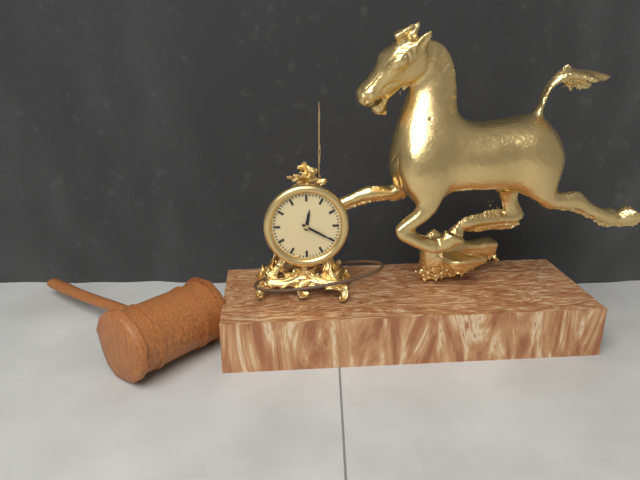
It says 12:20
